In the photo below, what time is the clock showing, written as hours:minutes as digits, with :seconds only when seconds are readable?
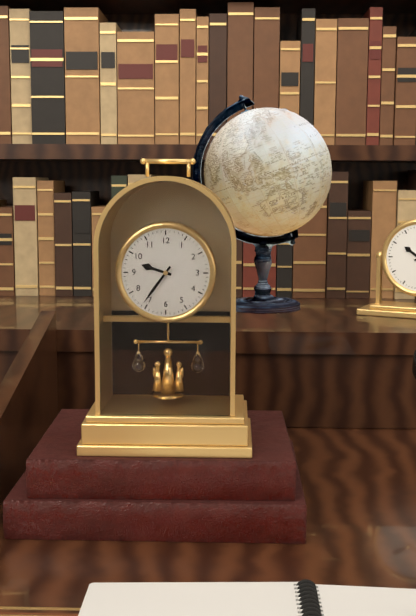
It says 9:36
